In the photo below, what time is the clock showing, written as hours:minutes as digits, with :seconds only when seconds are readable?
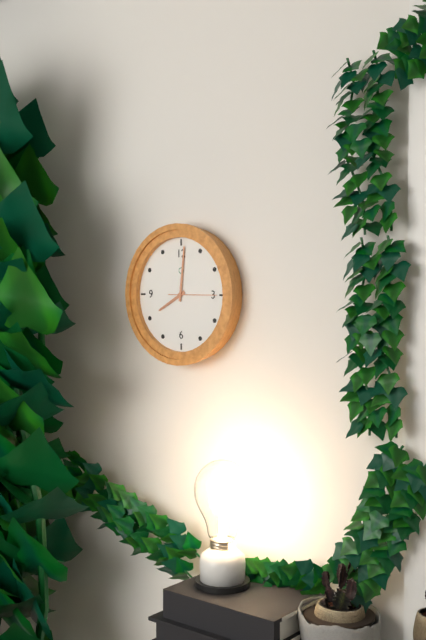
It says 8:01
